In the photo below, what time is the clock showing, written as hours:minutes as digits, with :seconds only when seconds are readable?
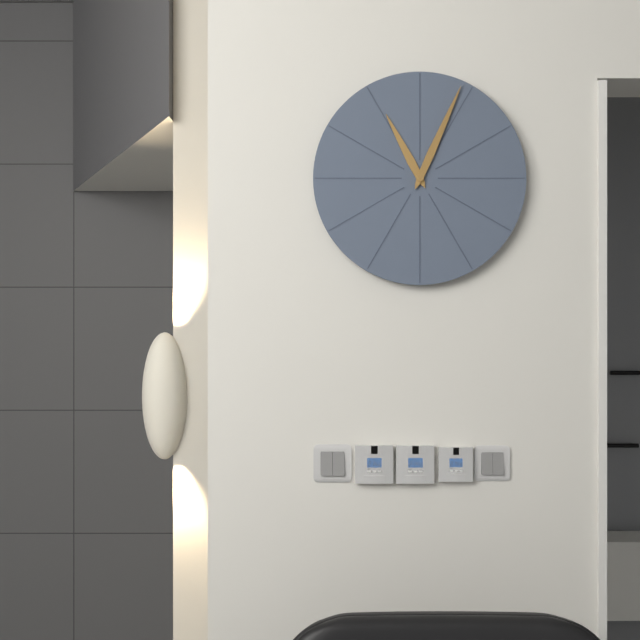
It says 11:04
